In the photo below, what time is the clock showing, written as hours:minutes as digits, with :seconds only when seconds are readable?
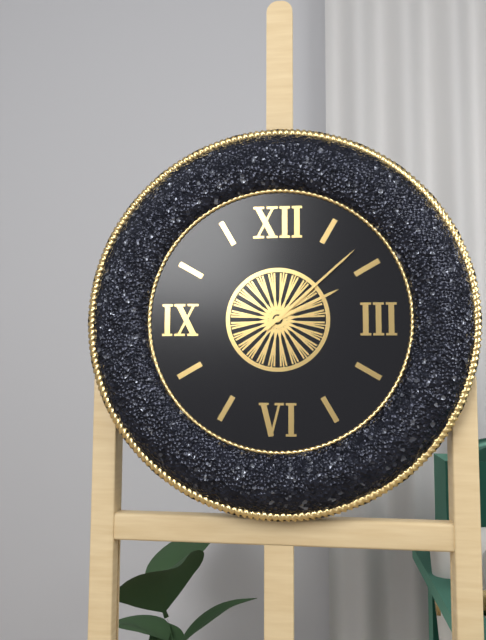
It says 2:08
